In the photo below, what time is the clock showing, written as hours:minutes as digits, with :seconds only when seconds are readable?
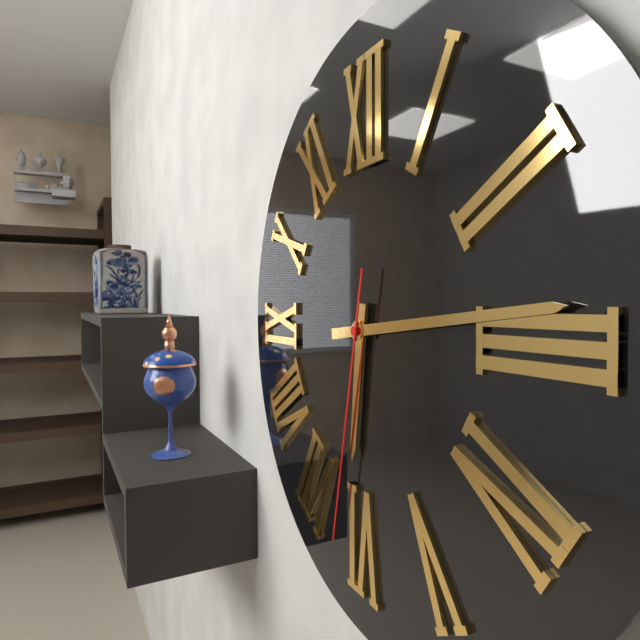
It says 6:14:32
